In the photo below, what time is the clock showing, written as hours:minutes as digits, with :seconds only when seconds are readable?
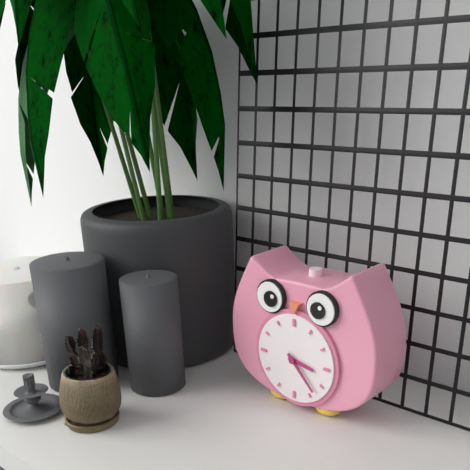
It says 3:23
